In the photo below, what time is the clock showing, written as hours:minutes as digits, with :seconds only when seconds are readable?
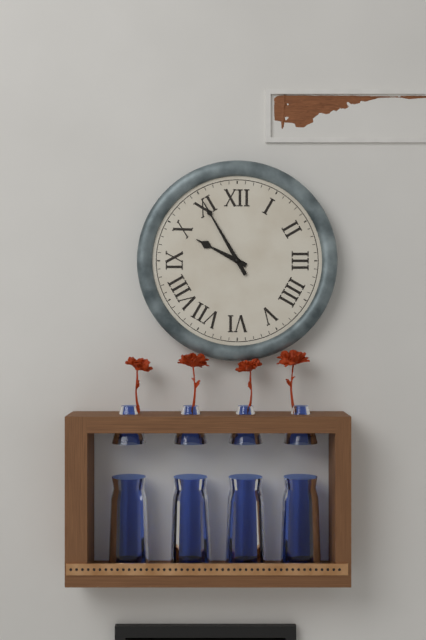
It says 9:55
